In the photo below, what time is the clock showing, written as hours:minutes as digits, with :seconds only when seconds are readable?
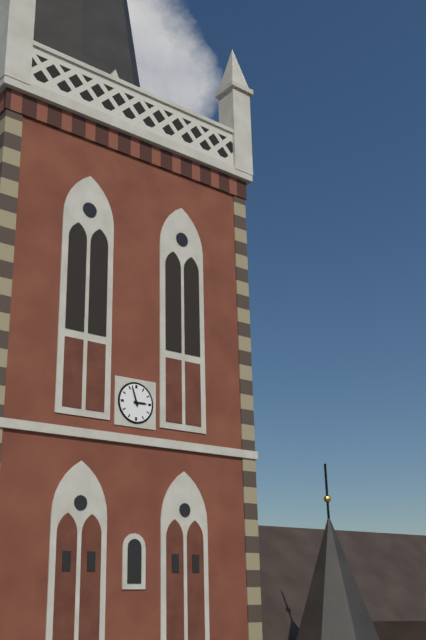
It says 2:57
